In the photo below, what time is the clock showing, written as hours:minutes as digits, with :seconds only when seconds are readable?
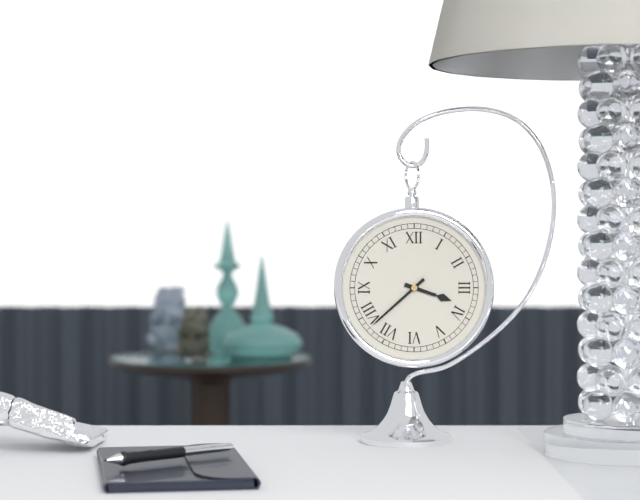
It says 3:38
